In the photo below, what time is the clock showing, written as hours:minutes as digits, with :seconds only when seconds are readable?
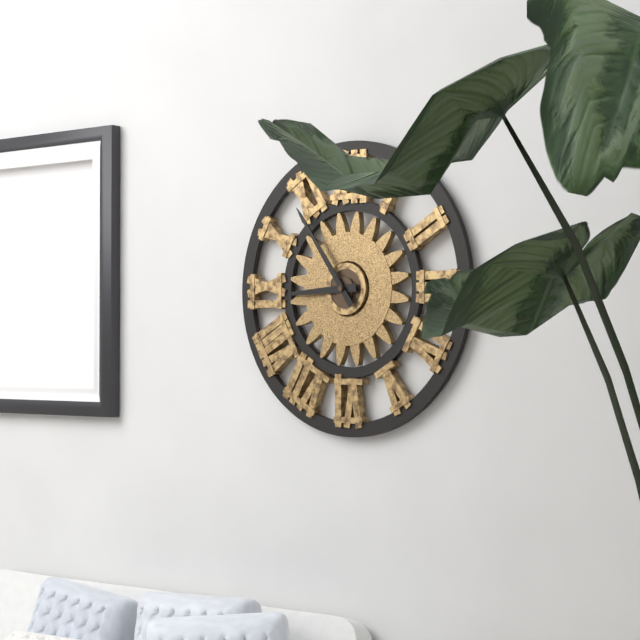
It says 8:54
